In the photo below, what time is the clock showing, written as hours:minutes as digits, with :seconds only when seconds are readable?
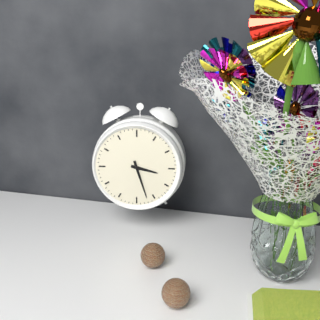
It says 3:27
